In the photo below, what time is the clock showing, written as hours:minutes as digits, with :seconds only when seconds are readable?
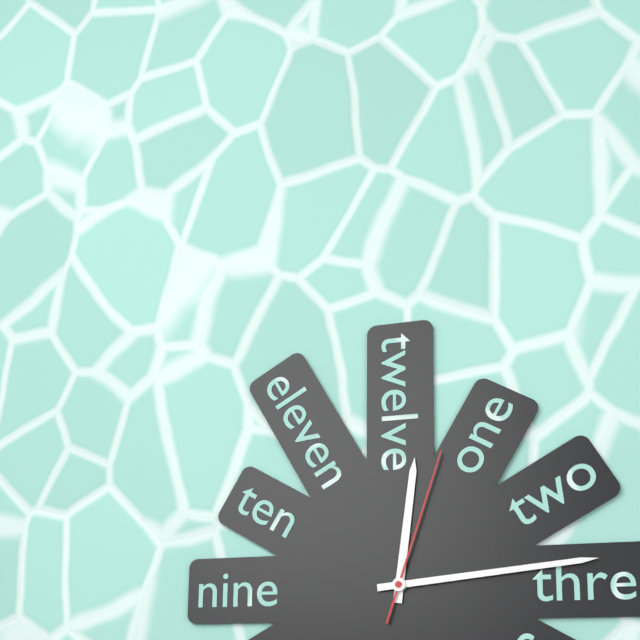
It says 12:14:03
